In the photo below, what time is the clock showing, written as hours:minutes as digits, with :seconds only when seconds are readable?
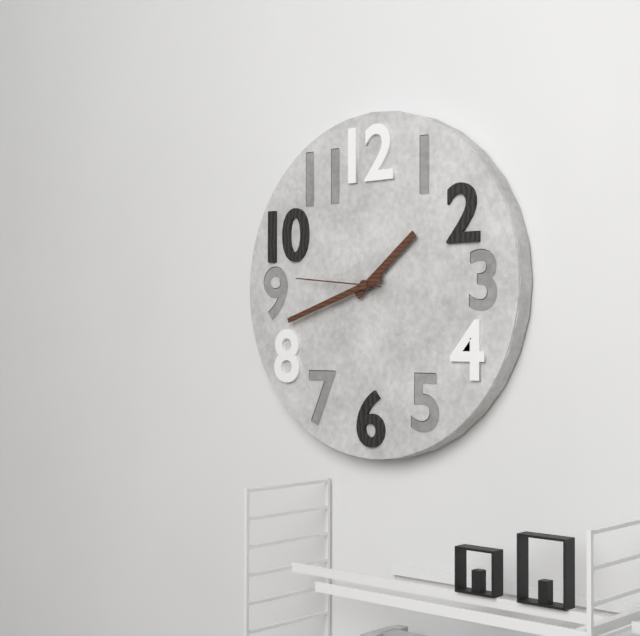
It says 1:42:46
